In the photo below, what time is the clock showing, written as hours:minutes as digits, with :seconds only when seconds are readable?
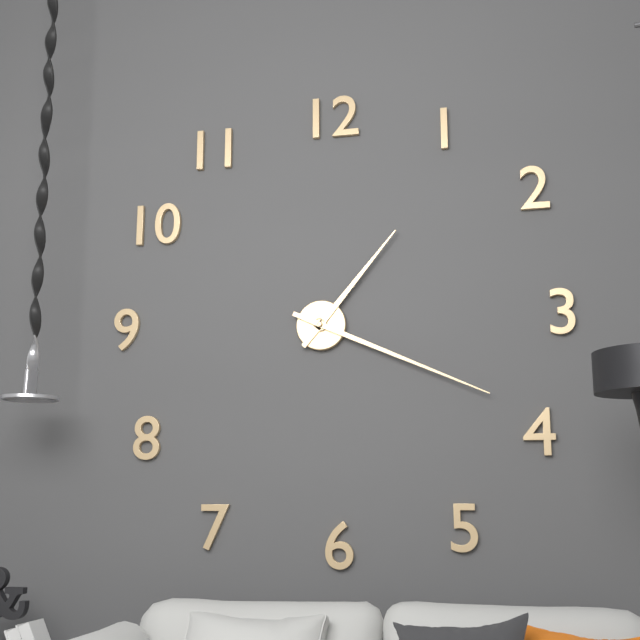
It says 1:19
